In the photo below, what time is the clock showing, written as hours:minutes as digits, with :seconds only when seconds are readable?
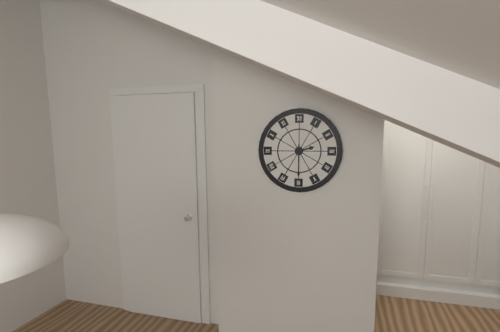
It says 2:30
